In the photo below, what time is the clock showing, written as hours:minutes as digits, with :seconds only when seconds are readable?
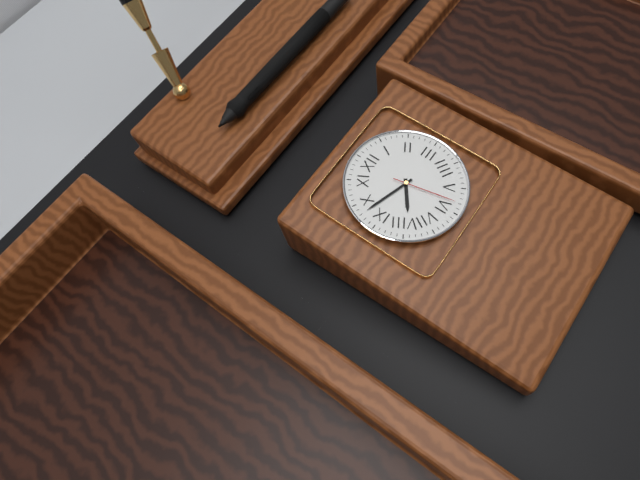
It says 7:48:28
